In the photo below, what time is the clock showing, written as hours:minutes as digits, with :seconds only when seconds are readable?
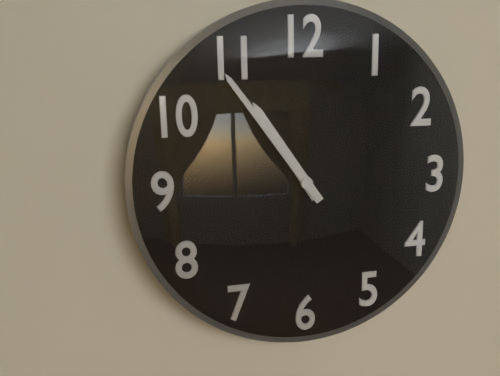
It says 10:54
